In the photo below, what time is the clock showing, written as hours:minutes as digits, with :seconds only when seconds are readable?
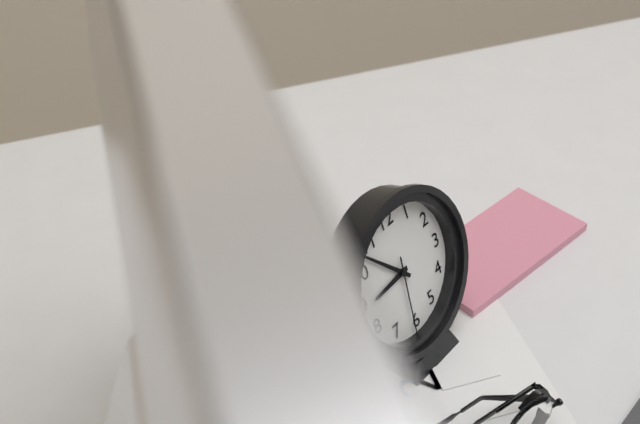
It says 8:53:31
